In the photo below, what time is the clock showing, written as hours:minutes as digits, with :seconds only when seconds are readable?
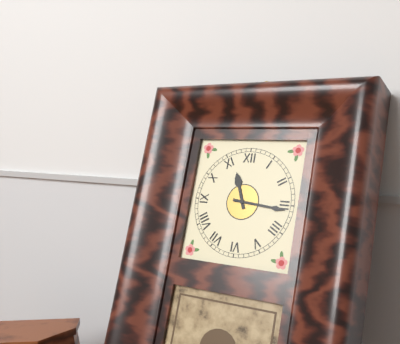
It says 11:16
